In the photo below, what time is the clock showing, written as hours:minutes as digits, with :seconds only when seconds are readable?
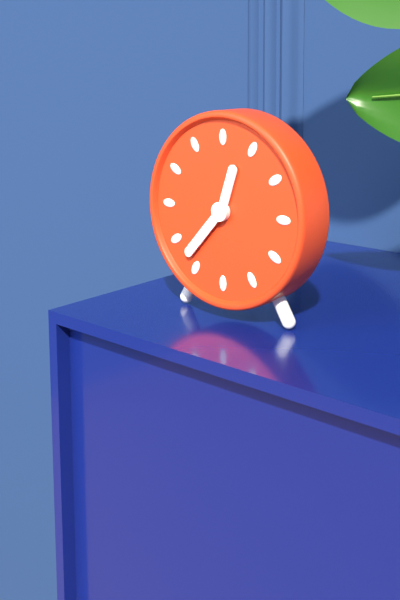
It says 12:37
